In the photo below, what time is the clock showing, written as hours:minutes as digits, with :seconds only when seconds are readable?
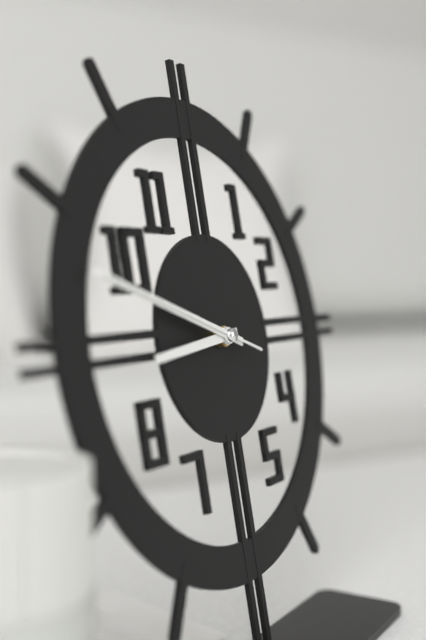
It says 8:48:48
